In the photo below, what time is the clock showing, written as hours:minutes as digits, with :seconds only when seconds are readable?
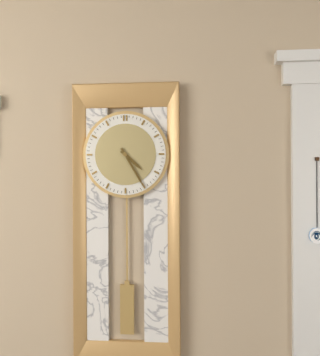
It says 4:25
